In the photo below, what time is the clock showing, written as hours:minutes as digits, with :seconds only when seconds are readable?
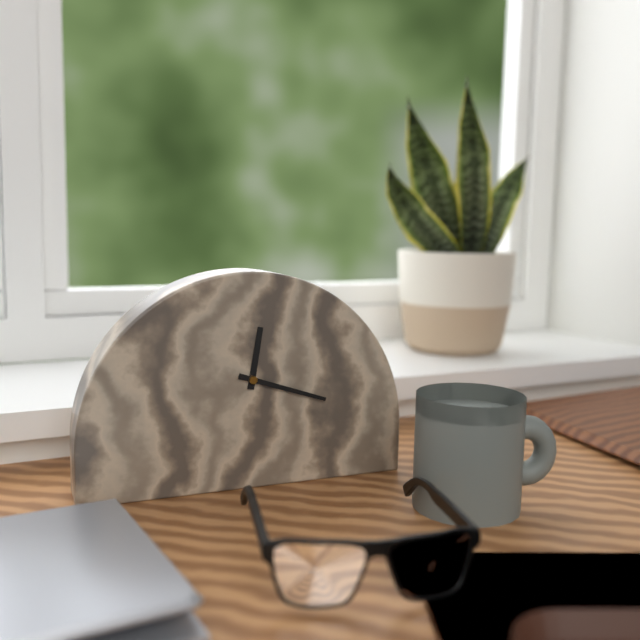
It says 12:18
